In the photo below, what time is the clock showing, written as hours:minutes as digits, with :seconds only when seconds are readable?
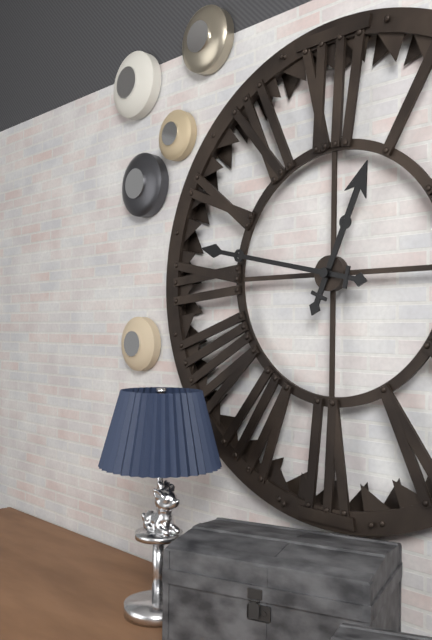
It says 12:47
